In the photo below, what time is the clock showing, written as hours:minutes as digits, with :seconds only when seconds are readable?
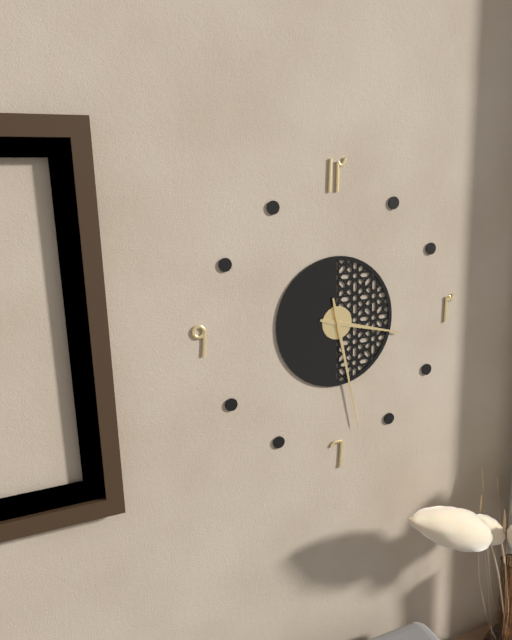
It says 3:28
